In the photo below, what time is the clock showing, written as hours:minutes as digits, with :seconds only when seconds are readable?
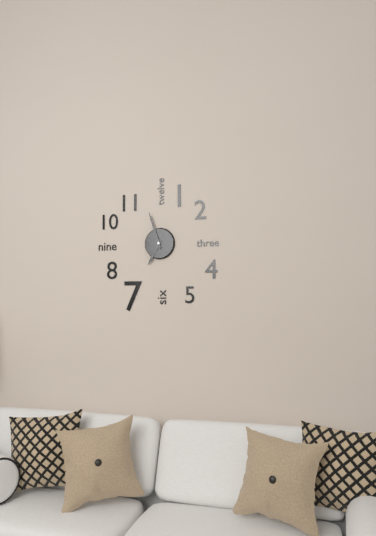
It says 6:57
